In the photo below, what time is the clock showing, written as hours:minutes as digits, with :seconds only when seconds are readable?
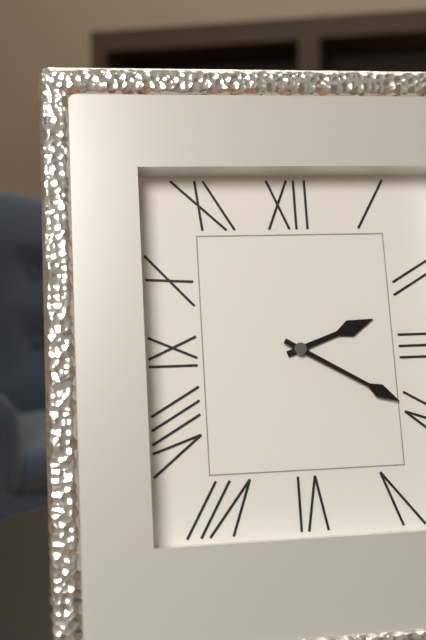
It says 2:20
